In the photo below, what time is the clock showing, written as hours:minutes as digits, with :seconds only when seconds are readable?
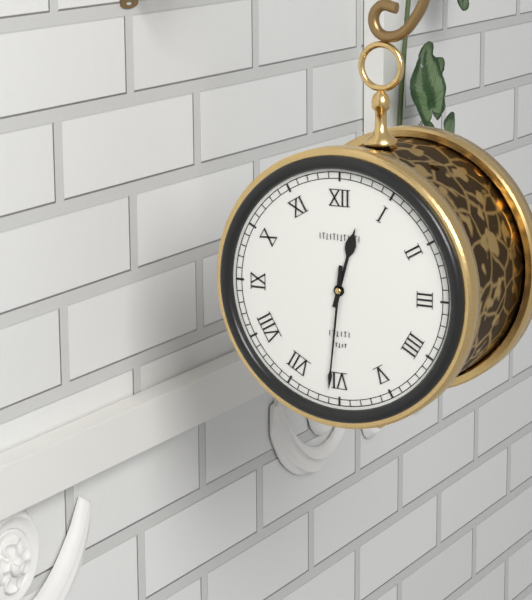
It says 12:31
